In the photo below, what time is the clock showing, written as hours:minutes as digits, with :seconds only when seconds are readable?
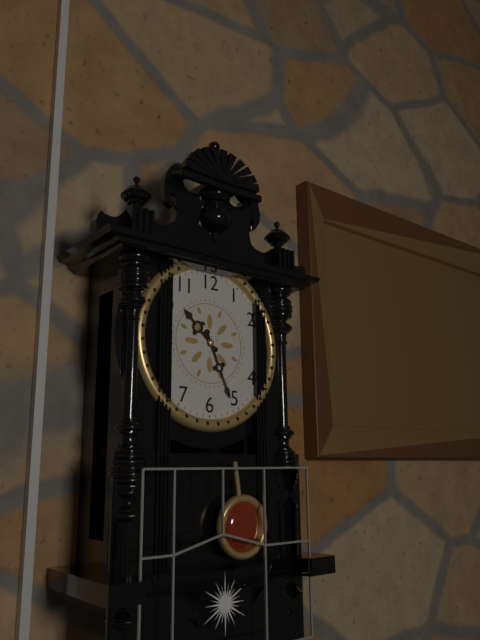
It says 10:26
